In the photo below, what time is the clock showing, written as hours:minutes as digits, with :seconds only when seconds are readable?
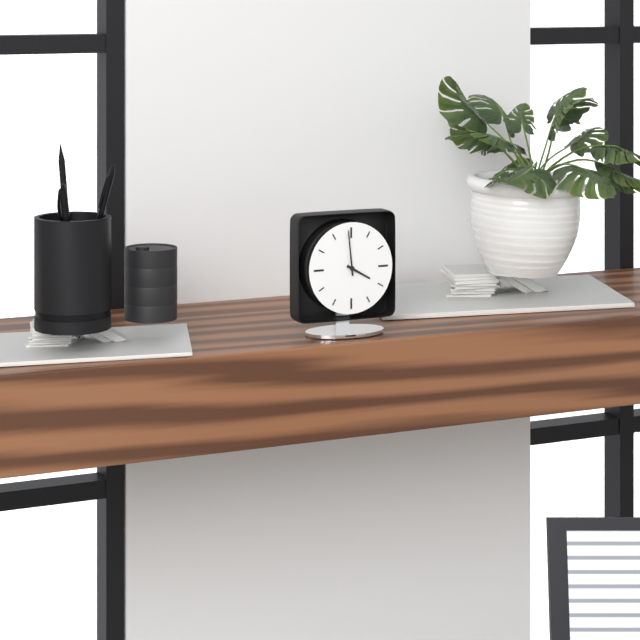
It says 3:59
